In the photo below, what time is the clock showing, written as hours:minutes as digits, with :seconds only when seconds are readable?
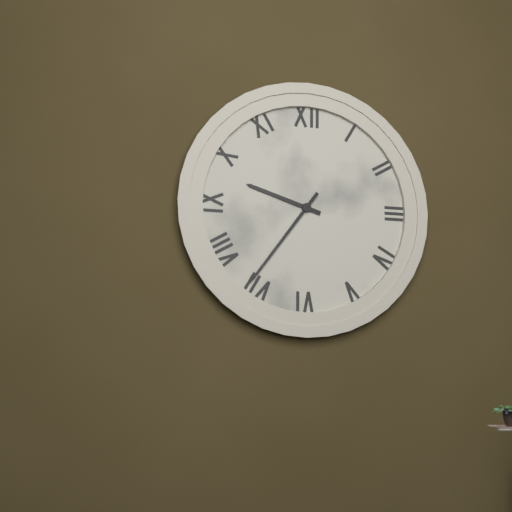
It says 9:36
